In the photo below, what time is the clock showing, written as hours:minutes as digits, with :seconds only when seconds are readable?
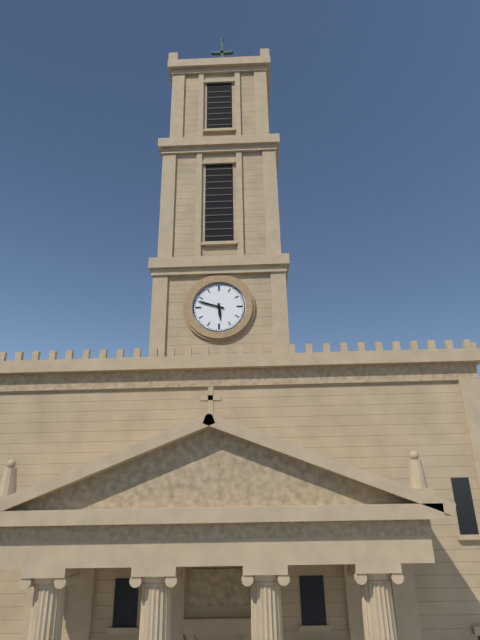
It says 5:48
